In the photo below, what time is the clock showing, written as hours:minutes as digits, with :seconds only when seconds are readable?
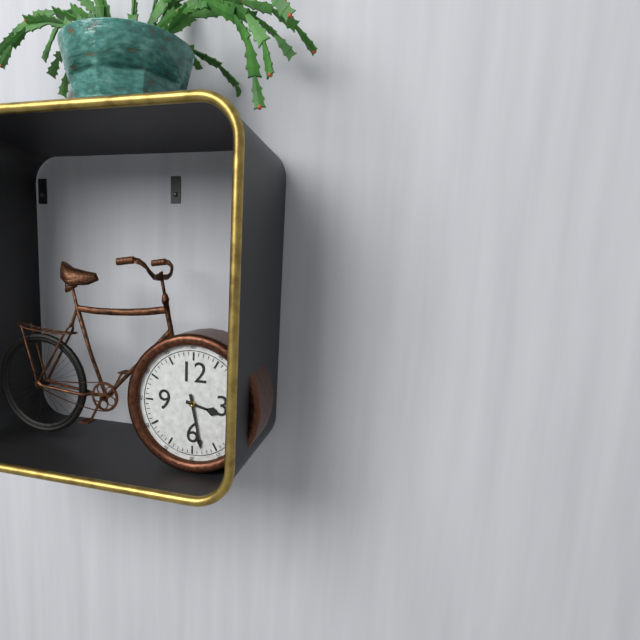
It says 3:28
